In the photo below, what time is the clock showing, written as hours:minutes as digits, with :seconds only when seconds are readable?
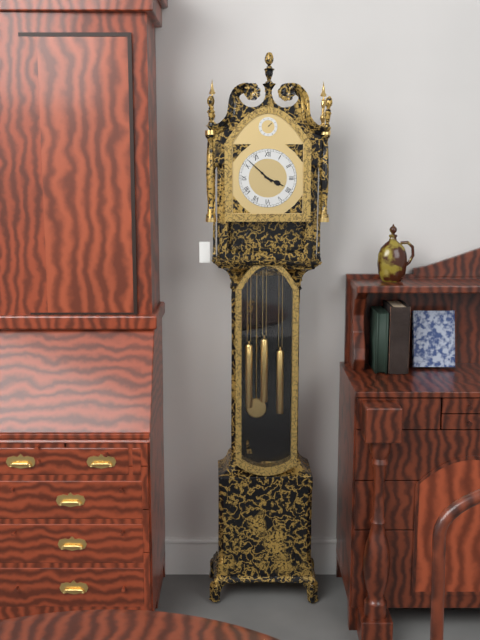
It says 3:52
